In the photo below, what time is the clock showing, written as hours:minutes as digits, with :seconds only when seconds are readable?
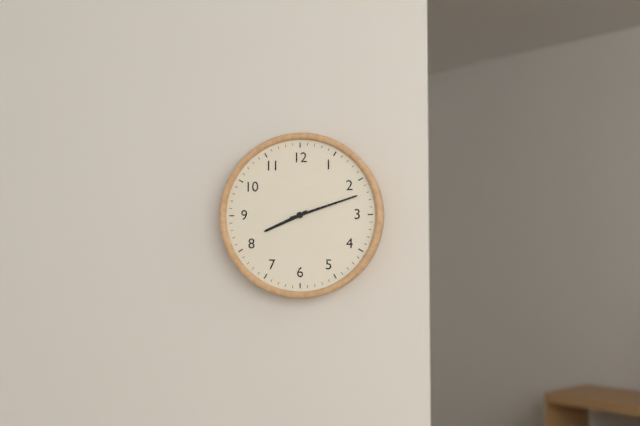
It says 8:12
